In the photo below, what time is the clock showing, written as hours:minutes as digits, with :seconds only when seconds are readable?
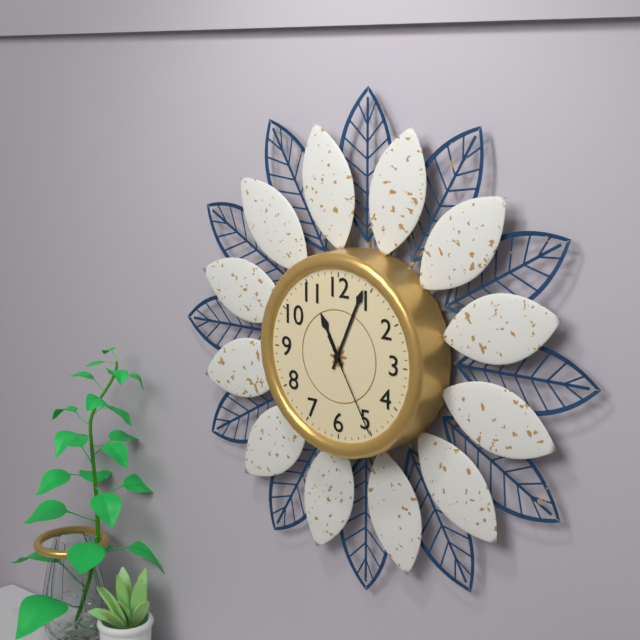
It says 11:04:25
